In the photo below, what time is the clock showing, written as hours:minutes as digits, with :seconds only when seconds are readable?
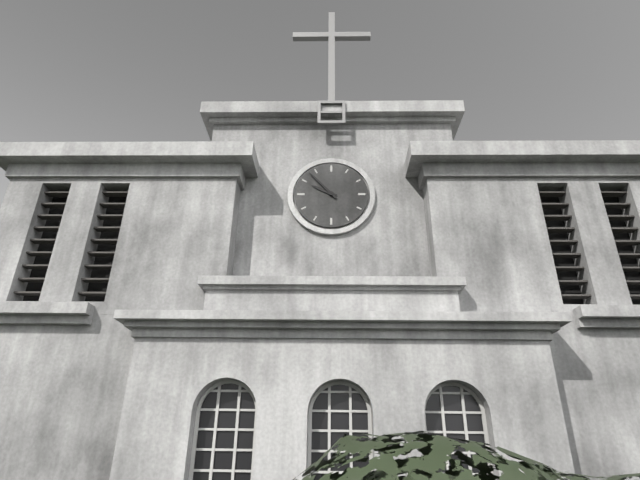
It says 9:53
